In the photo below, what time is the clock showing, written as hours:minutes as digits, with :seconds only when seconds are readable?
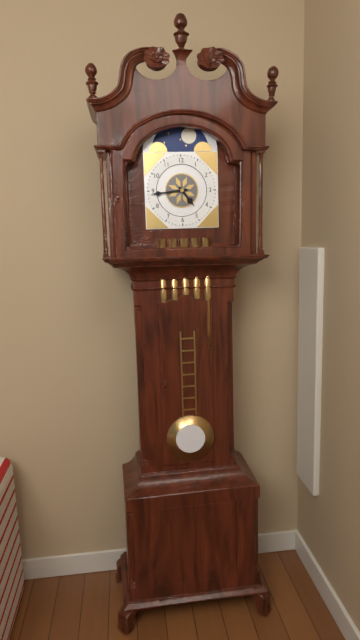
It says 4:44
